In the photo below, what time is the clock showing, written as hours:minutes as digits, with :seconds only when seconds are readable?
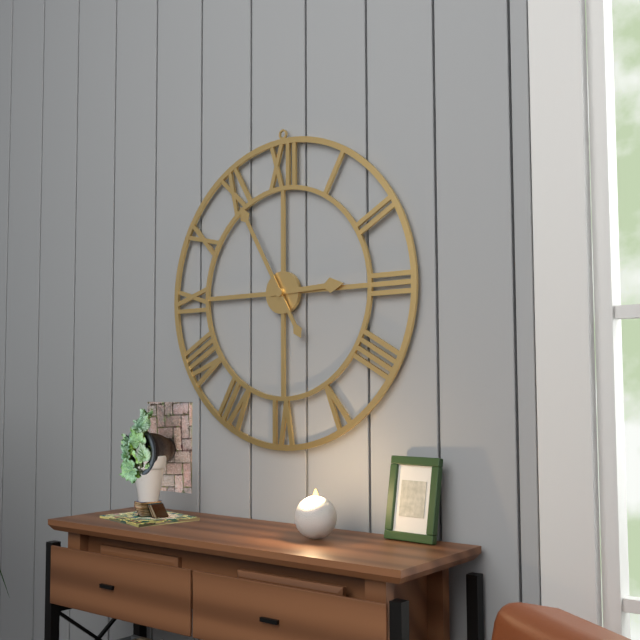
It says 2:55
